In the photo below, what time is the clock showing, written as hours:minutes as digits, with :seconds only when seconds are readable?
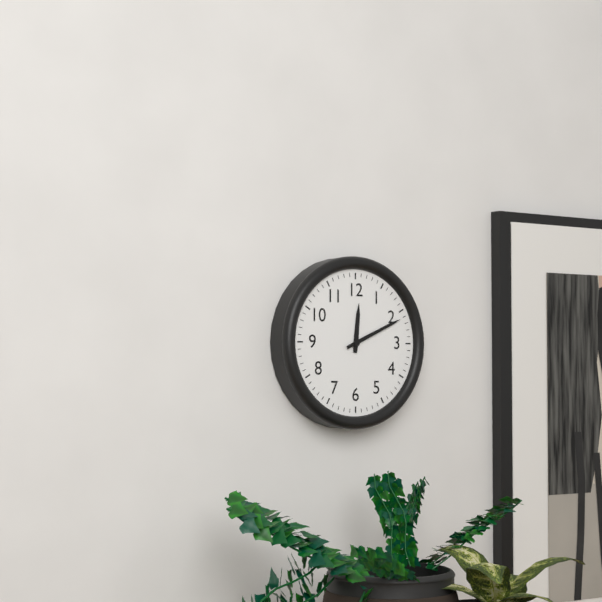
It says 12:11
